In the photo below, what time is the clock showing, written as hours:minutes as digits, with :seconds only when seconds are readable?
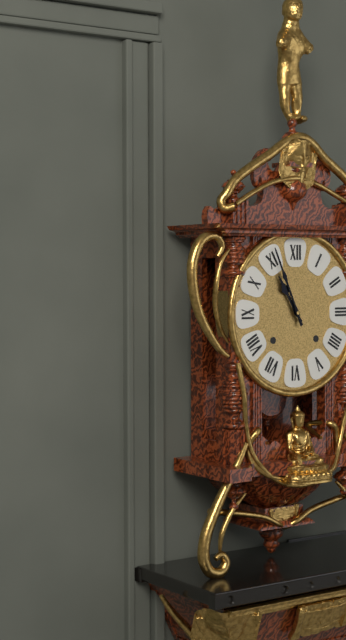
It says 10:56
